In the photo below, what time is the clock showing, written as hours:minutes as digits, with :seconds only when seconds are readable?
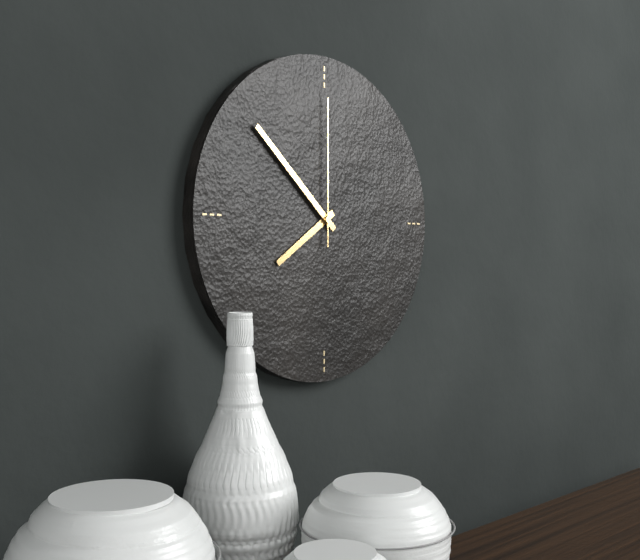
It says 7:52:00
